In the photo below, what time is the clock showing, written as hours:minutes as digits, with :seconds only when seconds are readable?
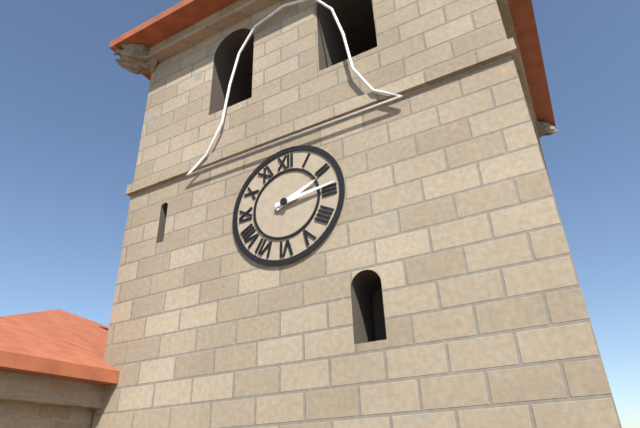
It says 2:14
